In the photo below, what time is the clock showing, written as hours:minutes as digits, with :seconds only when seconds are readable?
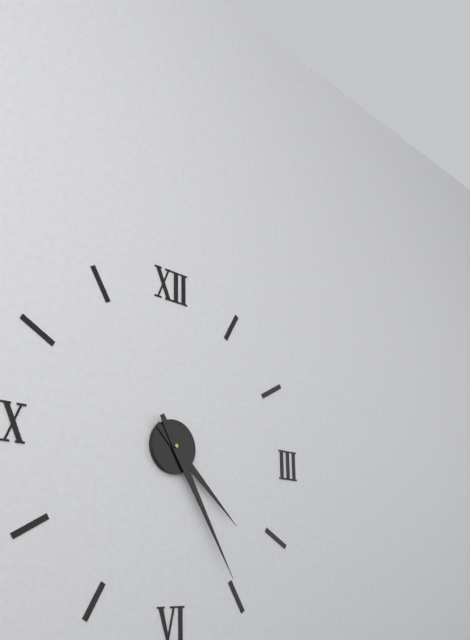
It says 4:25
